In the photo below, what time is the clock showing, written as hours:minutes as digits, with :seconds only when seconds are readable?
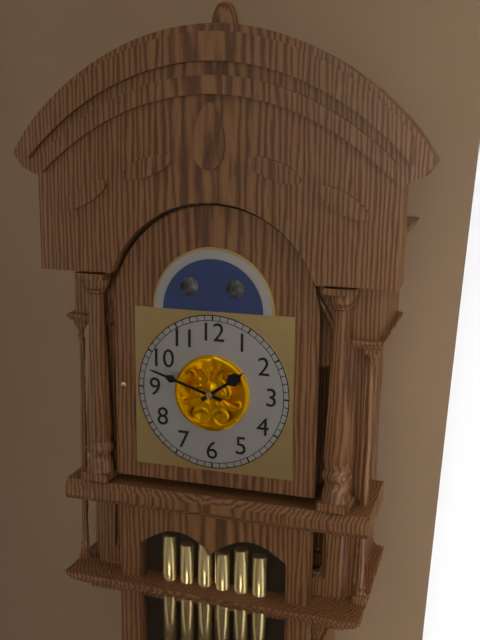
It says 1:48
